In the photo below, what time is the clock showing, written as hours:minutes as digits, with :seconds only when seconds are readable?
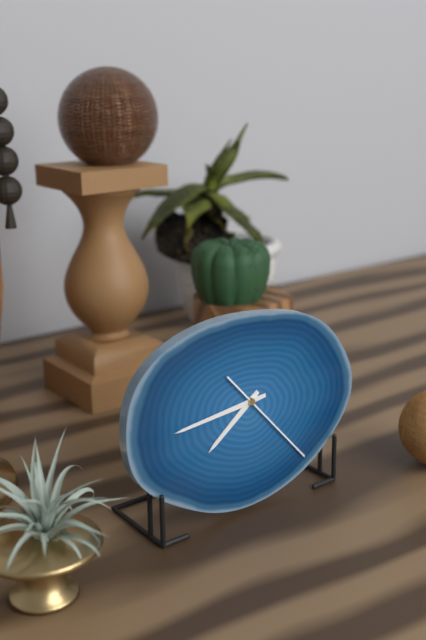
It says 7:44:23
